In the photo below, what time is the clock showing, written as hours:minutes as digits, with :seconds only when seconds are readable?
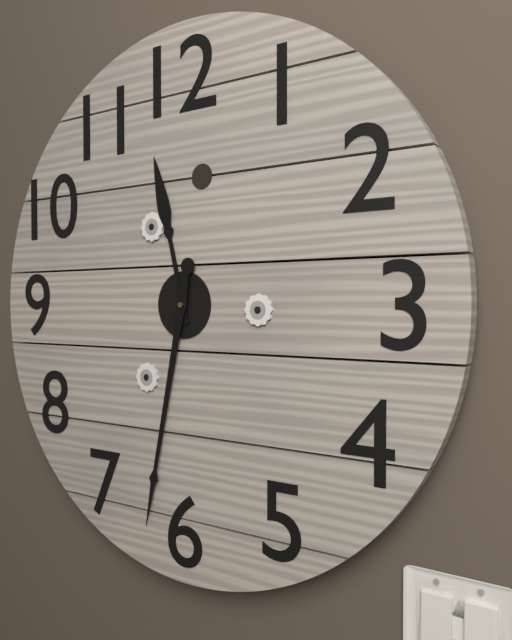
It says 11:32
